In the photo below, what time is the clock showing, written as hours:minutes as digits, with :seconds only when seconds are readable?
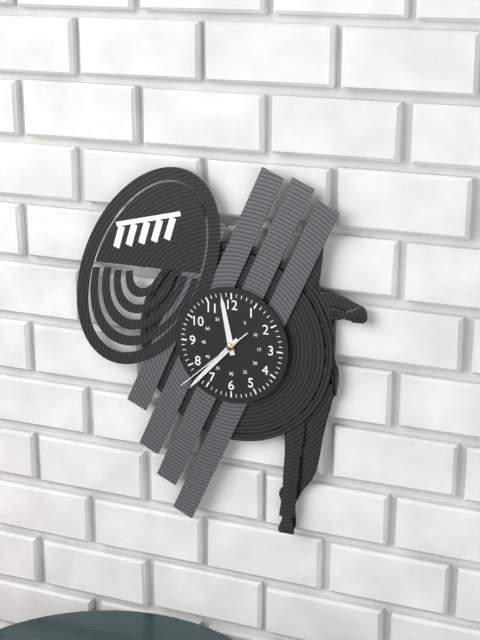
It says 11:37:38
